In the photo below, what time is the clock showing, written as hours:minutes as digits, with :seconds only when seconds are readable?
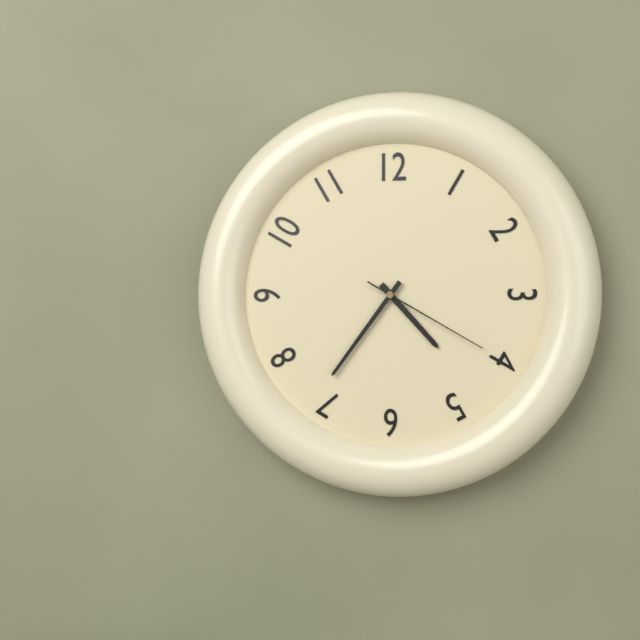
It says 4:36:20
